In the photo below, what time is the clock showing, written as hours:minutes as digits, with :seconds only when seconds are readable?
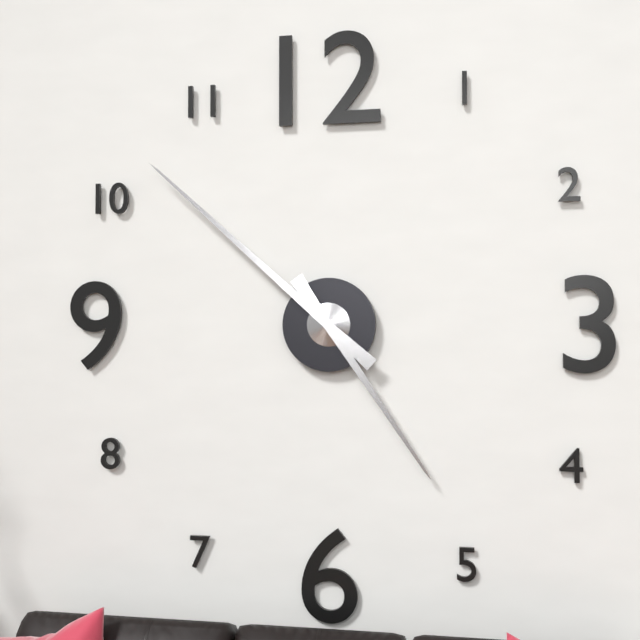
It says 4:52
